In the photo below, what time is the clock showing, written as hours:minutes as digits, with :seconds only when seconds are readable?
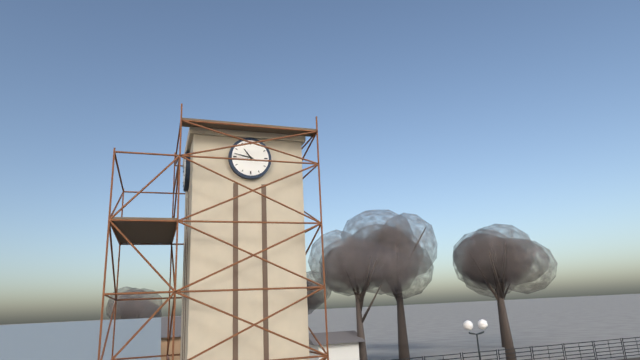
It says 10:47
